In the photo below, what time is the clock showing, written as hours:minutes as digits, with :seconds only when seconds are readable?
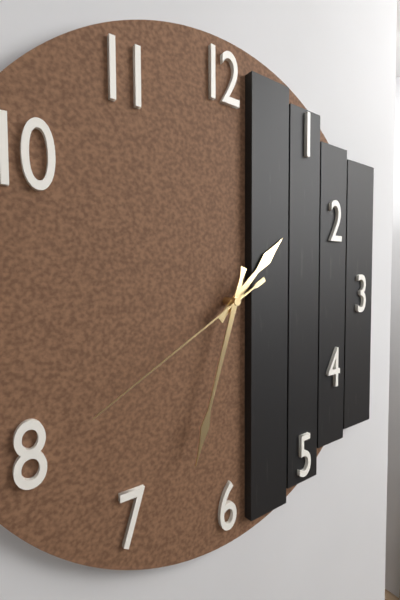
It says 1:33:40
